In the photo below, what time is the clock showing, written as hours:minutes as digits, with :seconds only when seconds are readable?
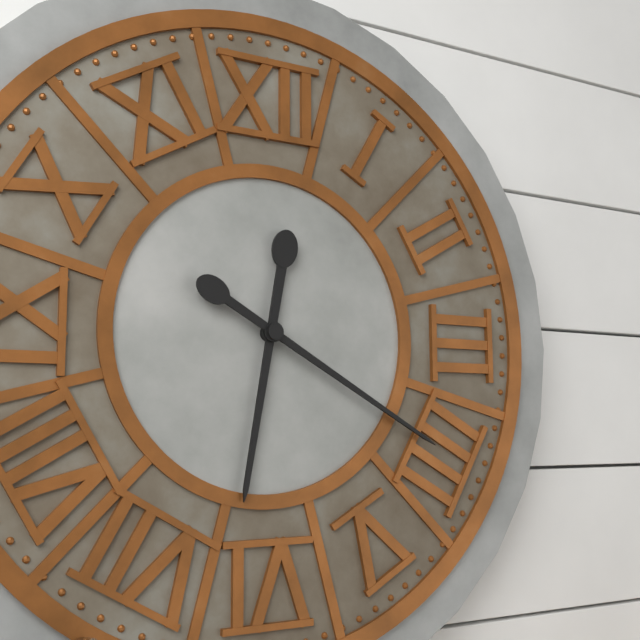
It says 6:20
